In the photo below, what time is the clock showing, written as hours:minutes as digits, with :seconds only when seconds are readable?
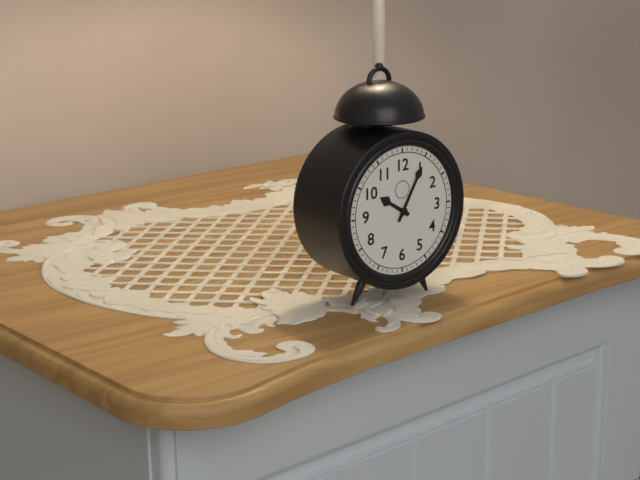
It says 10:05
